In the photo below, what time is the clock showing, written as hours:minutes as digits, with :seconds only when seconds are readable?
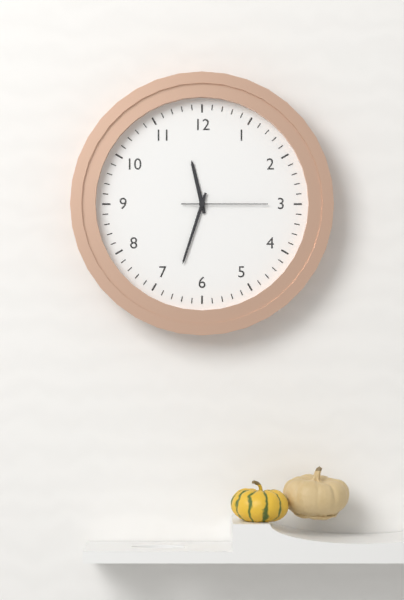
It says 11:33:15
